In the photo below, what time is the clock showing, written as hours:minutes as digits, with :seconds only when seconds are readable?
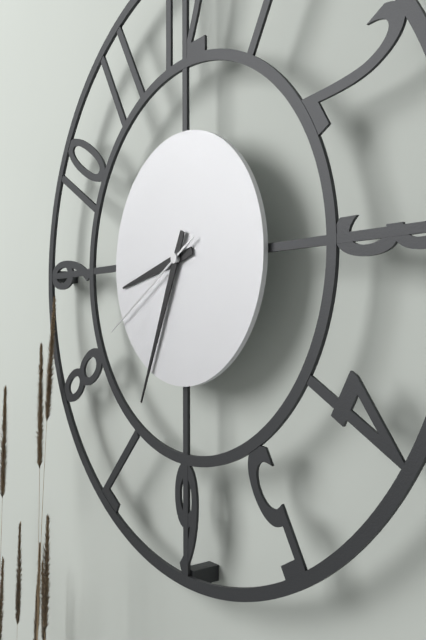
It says 8:34:40
